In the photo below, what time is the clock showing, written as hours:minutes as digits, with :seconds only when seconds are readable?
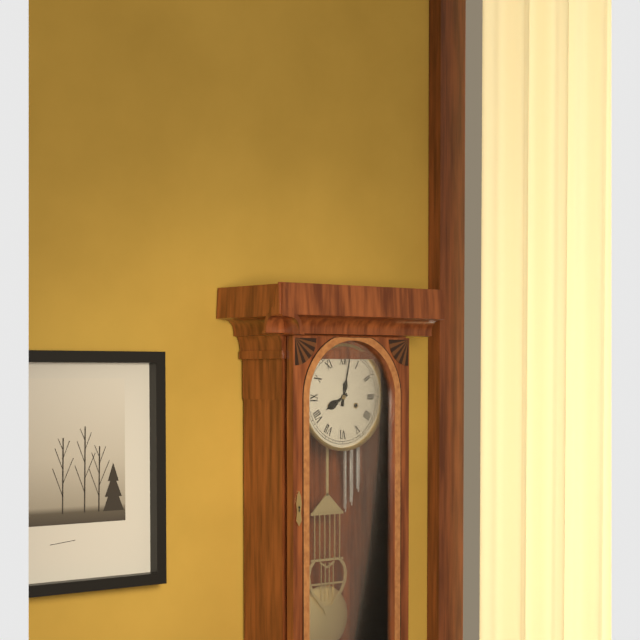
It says 8:02
